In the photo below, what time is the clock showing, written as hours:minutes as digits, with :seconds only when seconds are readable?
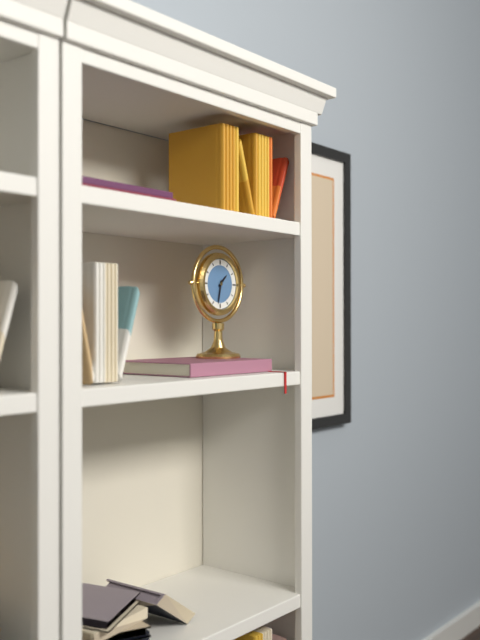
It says 1:32
